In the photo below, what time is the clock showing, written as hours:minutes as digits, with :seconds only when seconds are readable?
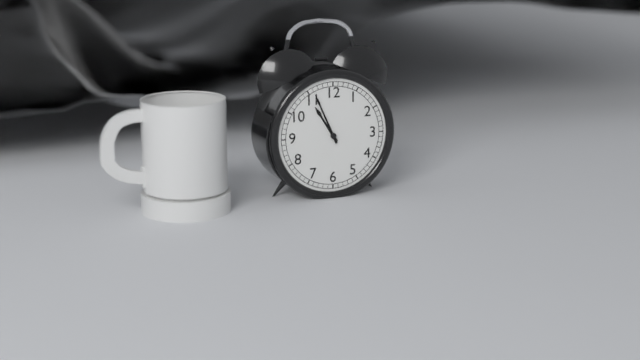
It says 10:56
